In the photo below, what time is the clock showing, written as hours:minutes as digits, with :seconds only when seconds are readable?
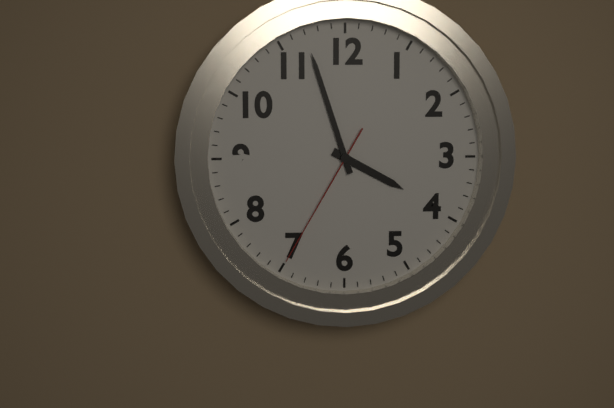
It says 3:57:35
